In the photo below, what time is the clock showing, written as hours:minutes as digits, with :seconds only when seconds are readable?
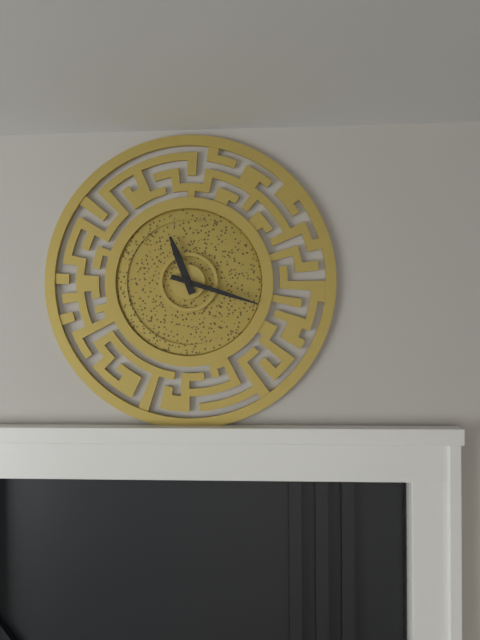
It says 11:18
